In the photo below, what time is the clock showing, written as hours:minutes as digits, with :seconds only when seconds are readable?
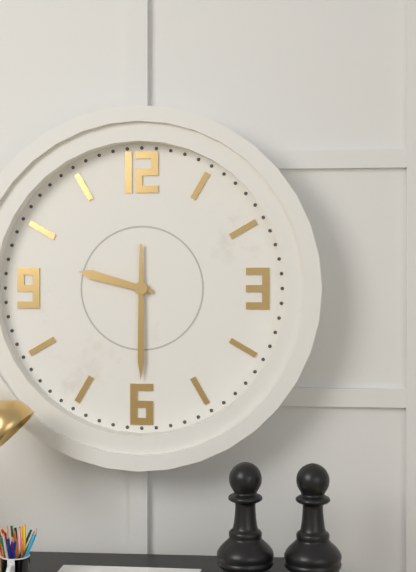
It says 9:30
